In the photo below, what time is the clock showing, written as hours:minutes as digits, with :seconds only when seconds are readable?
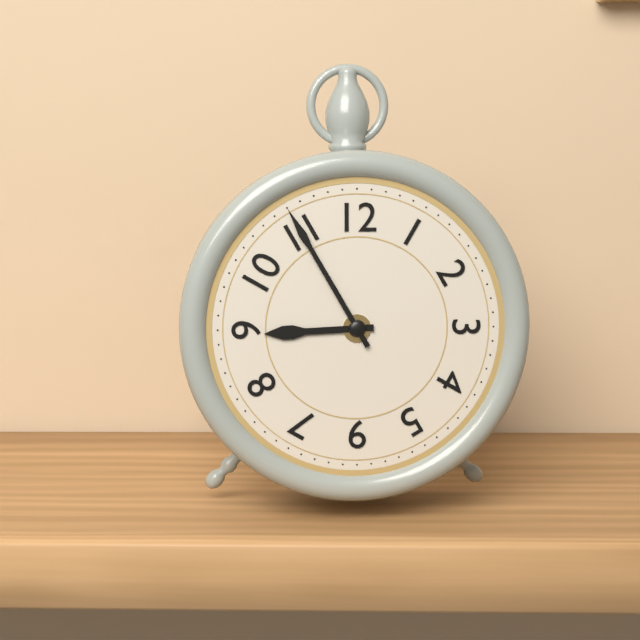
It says 8:55
